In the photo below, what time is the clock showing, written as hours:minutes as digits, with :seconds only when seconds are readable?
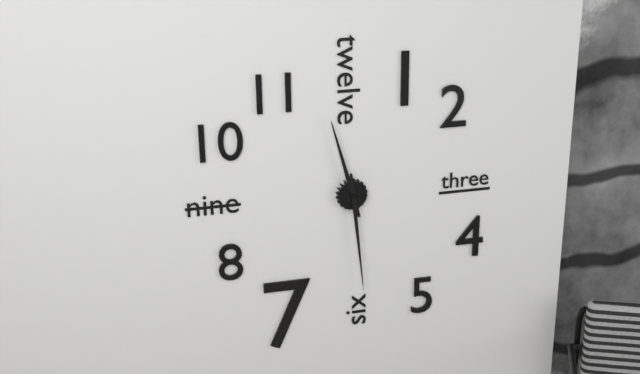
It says 11:29
